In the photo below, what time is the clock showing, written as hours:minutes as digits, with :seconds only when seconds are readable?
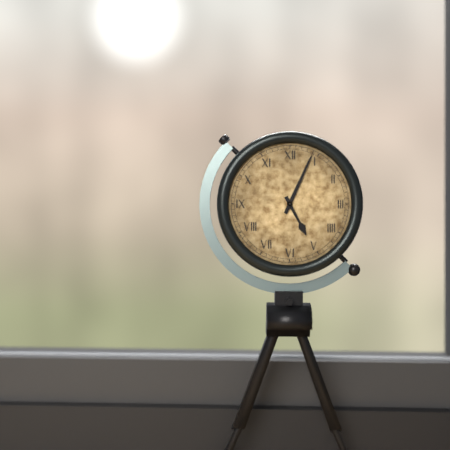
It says 5:04
